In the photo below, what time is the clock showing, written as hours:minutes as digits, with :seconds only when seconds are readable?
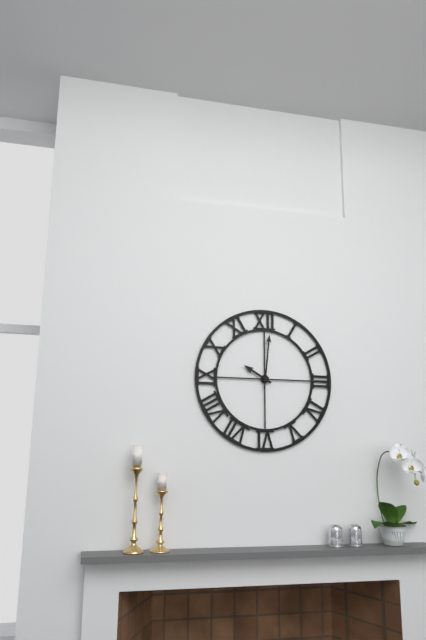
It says 10:01
